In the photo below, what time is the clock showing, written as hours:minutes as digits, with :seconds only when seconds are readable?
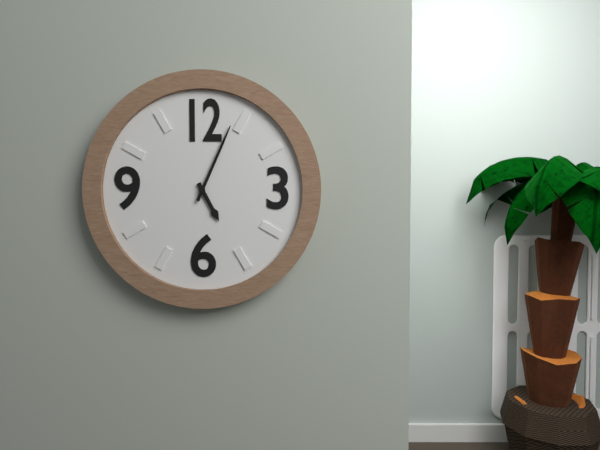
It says 5:04
